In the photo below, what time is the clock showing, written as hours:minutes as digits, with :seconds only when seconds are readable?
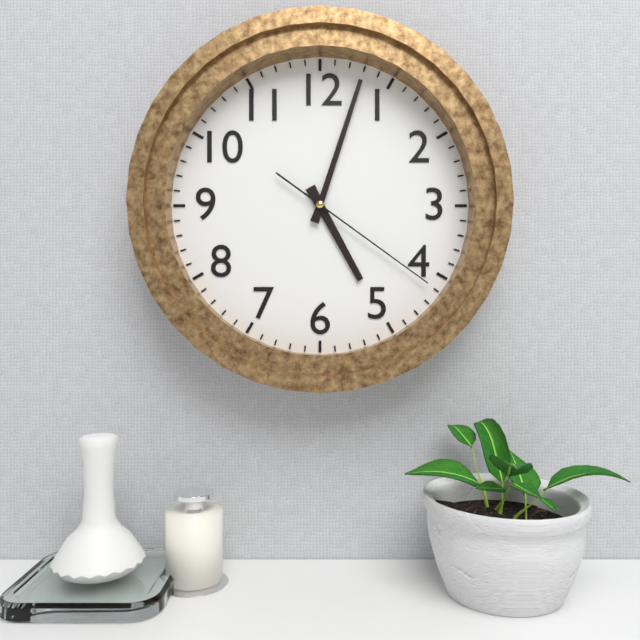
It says 5:03:21
